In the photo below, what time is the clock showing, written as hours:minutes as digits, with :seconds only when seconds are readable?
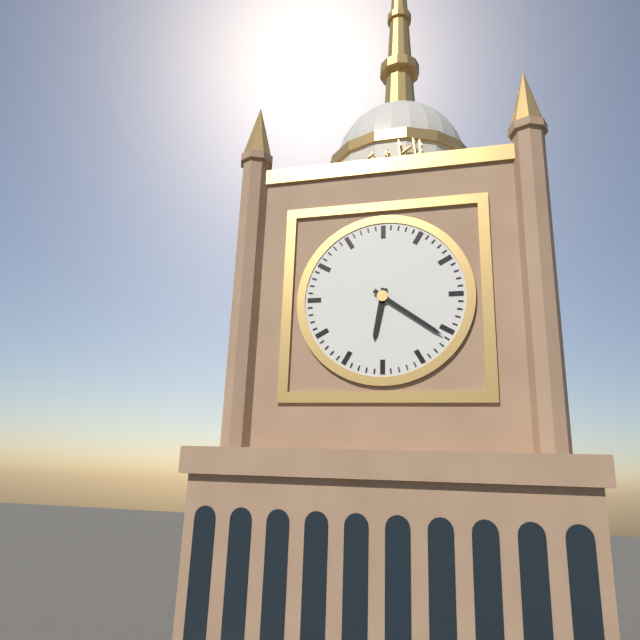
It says 6:21
